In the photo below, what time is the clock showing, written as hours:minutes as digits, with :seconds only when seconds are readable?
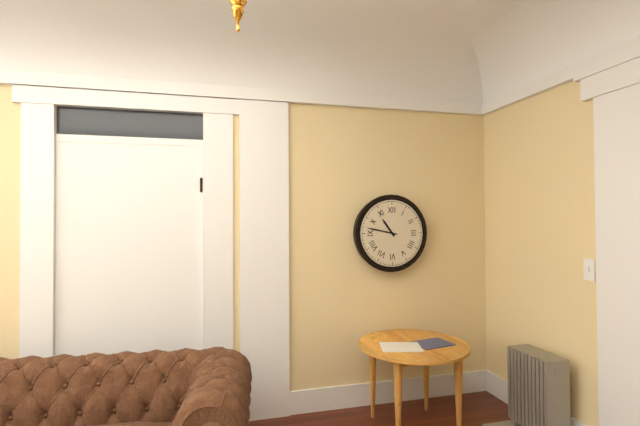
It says 10:47
